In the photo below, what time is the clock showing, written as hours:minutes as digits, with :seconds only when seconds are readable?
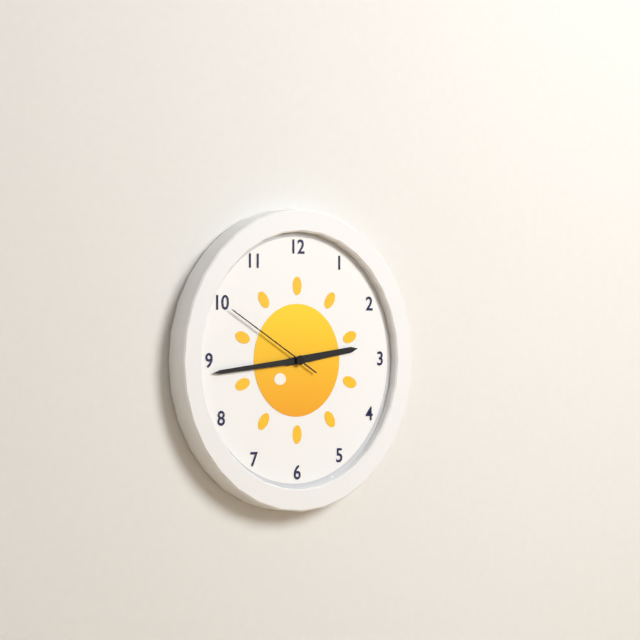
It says 2:44:50
